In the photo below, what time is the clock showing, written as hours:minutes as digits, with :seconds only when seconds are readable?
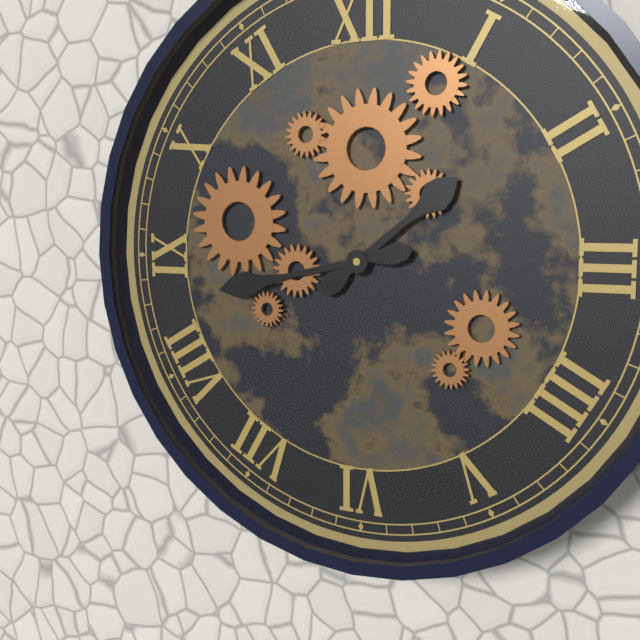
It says 1:43
